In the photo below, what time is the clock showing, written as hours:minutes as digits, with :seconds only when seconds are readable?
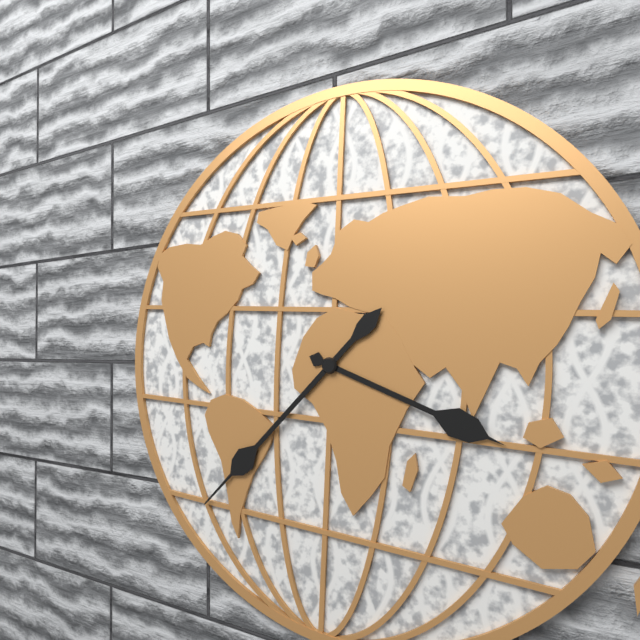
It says 3:37
